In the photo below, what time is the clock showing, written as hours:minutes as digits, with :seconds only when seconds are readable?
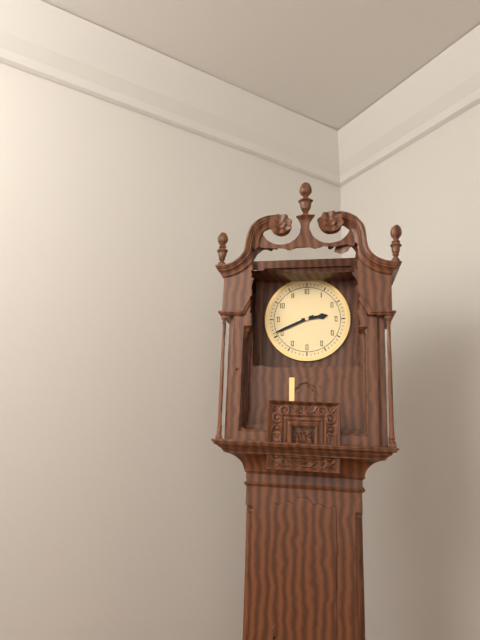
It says 2:41
